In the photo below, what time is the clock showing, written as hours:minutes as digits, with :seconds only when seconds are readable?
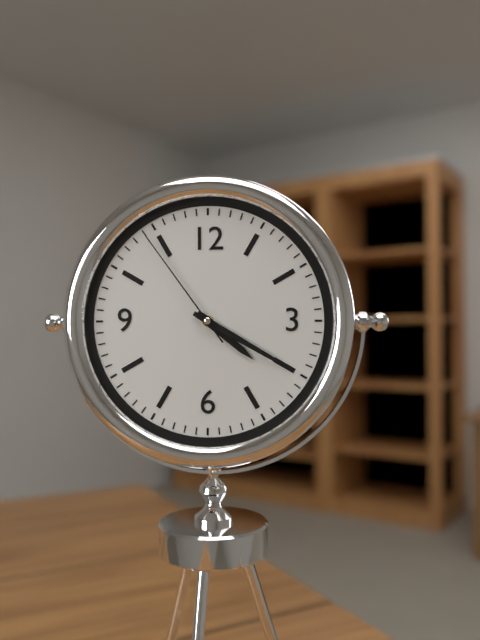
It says 4:20:54
